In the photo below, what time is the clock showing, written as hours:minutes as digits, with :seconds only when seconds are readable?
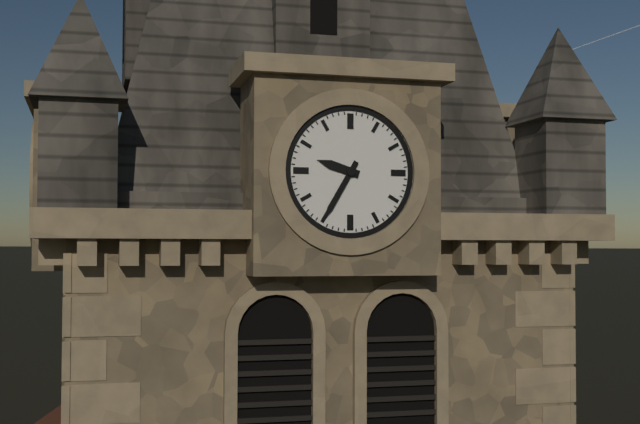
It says 9:35
